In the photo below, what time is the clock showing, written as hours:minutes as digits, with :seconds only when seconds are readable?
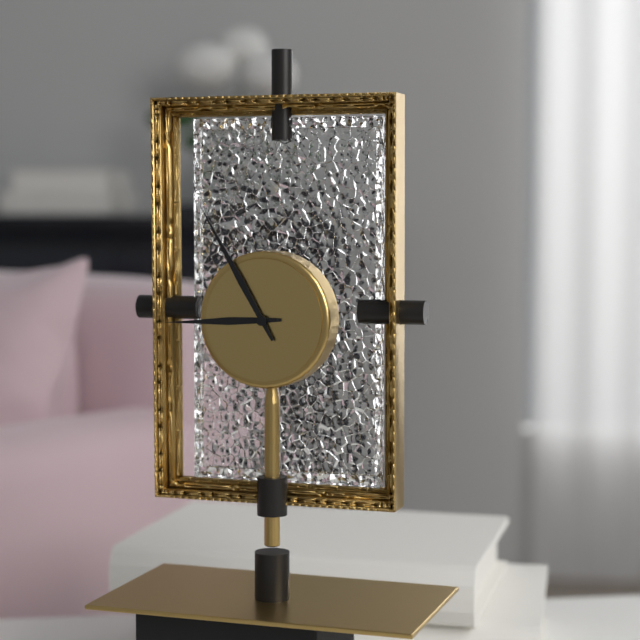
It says 8:55
